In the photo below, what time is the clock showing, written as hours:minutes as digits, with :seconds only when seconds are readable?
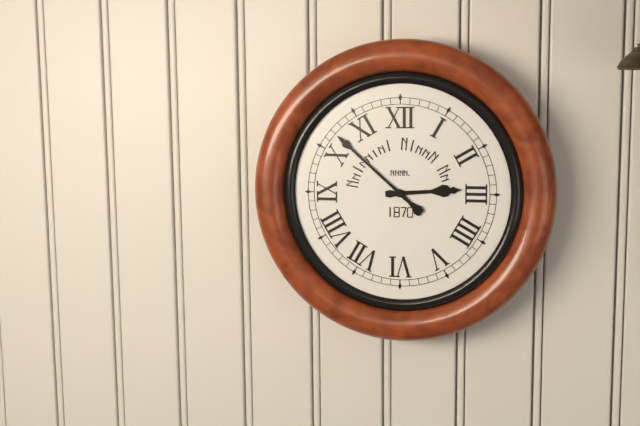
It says 2:52
